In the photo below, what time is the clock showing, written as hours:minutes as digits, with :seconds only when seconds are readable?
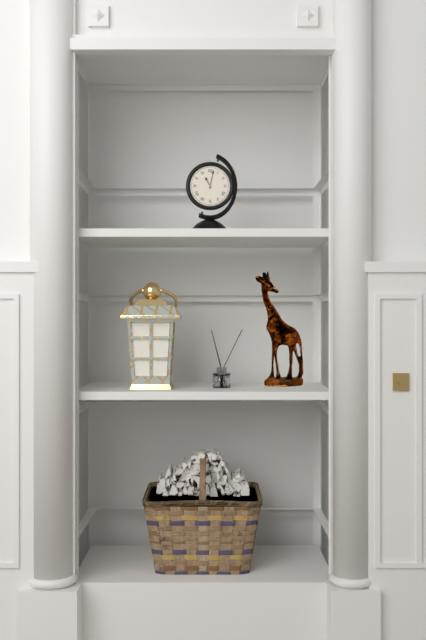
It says 11:02
